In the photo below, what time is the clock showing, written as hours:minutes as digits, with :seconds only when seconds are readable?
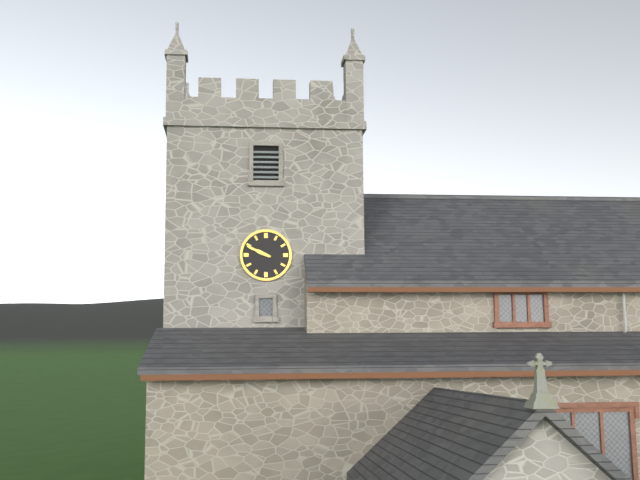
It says 9:49
